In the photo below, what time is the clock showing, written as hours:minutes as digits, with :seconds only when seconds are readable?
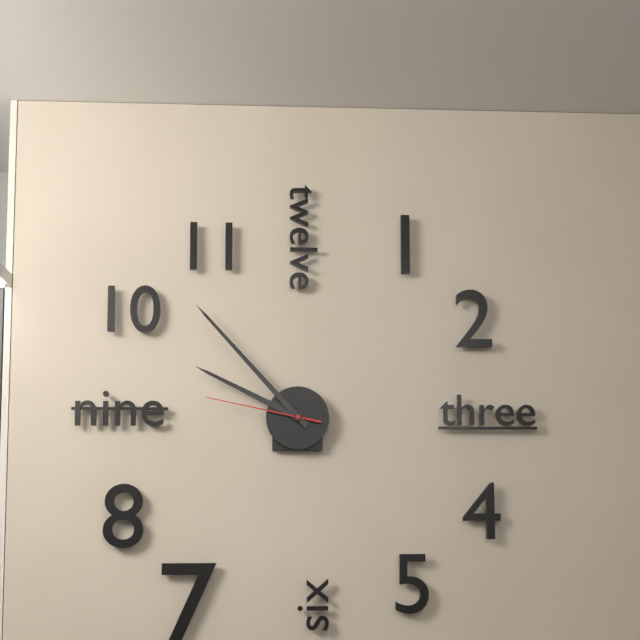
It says 9:53:47
